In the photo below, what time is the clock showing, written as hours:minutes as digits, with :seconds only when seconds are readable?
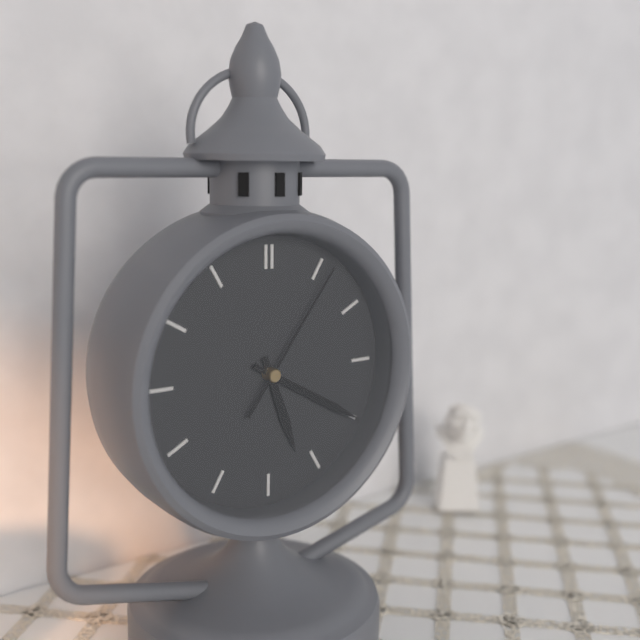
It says 5:20:06
